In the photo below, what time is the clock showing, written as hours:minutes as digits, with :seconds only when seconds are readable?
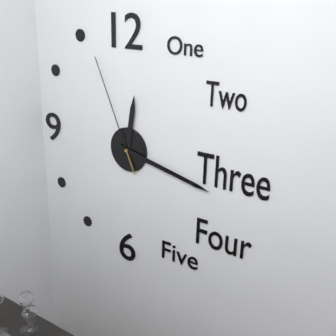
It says 12:17:56
